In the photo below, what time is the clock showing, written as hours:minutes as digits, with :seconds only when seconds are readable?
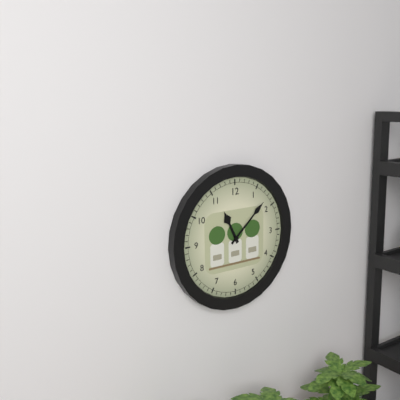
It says 11:08
